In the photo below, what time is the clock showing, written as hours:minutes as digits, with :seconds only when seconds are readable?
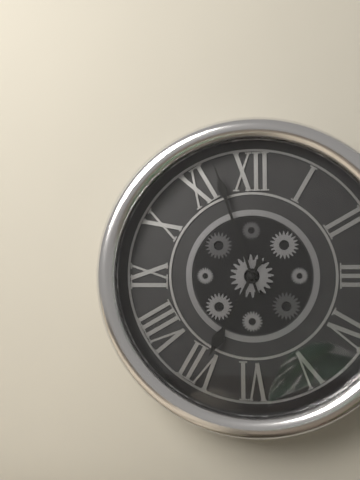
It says 6:57
